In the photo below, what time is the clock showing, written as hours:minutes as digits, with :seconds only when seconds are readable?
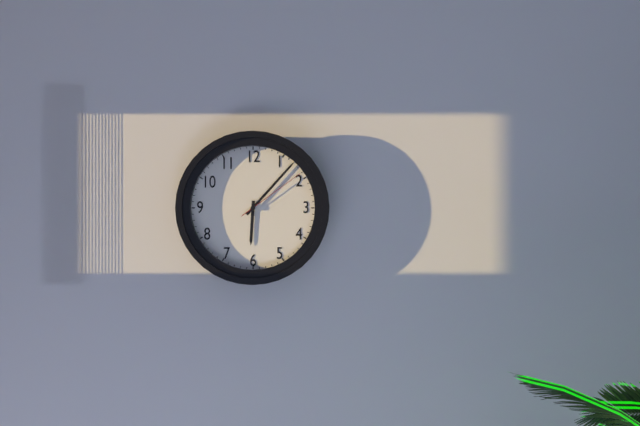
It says 6:07:09
